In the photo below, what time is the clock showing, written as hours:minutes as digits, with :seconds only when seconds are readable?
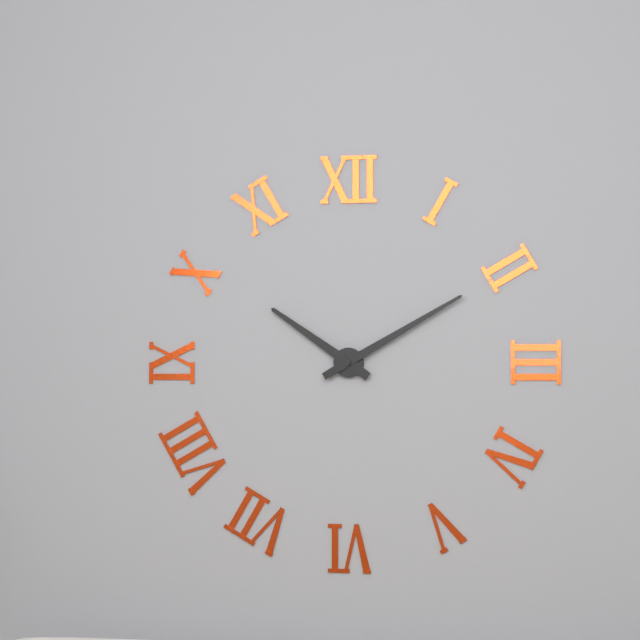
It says 10:10
